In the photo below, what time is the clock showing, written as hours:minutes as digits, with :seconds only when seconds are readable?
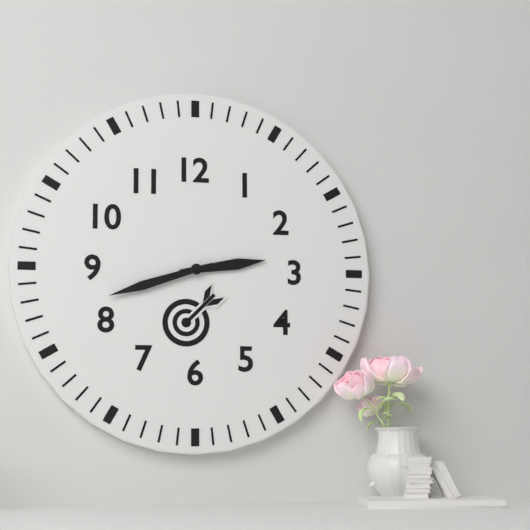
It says 2:42
